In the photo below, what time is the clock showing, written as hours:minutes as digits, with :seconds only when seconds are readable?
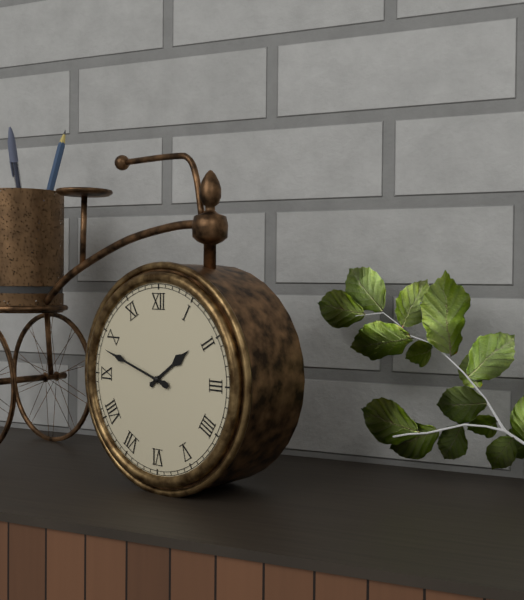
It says 1:48
